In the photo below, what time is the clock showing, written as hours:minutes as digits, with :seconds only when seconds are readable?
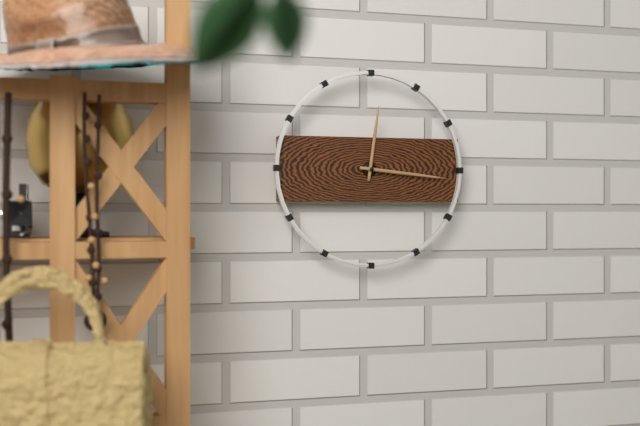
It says 12:16
